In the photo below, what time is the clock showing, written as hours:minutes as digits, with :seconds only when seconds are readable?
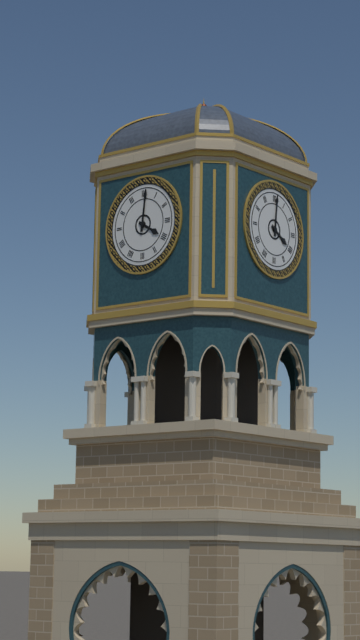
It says 4:01
